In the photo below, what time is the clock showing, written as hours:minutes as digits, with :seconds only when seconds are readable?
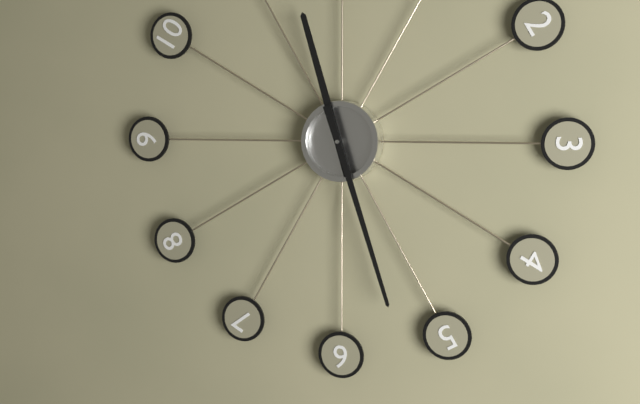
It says 11:27
